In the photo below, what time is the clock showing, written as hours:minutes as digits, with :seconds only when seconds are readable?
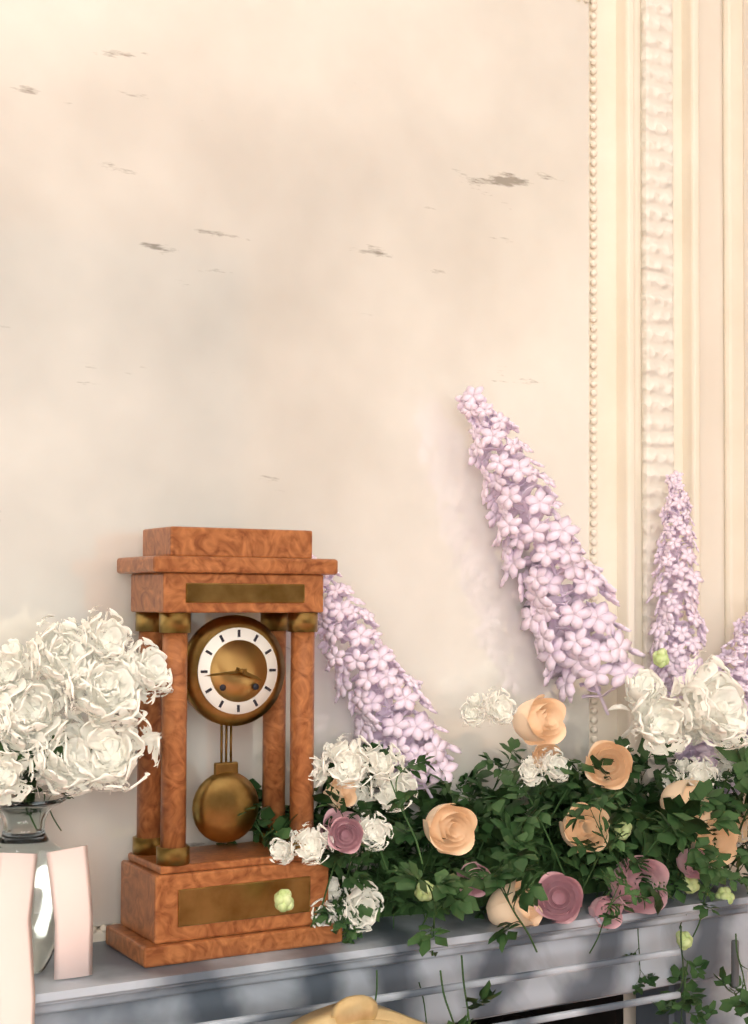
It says 3:44
